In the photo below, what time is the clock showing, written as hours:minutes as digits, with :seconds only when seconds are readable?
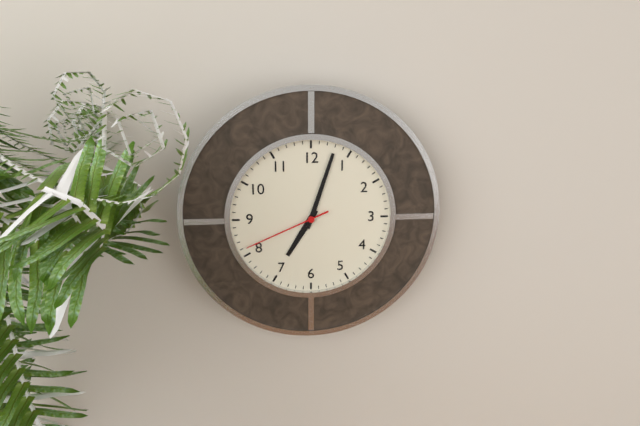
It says 7:03:41
